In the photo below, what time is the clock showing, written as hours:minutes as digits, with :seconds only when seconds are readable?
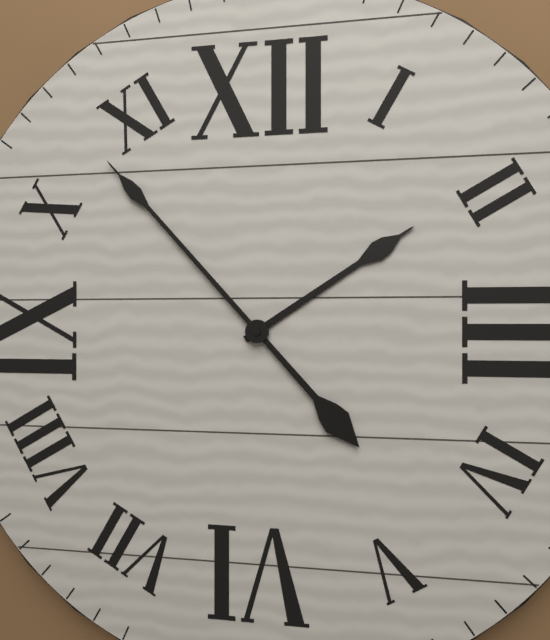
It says 1:53
